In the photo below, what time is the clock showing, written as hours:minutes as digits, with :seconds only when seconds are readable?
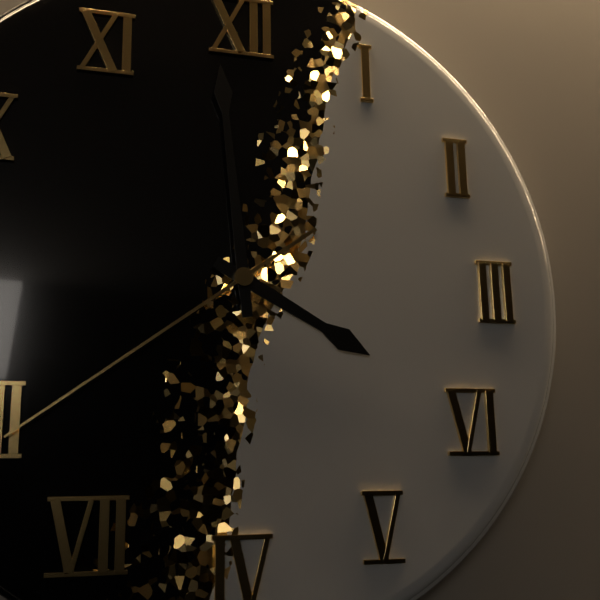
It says 3:59:39
